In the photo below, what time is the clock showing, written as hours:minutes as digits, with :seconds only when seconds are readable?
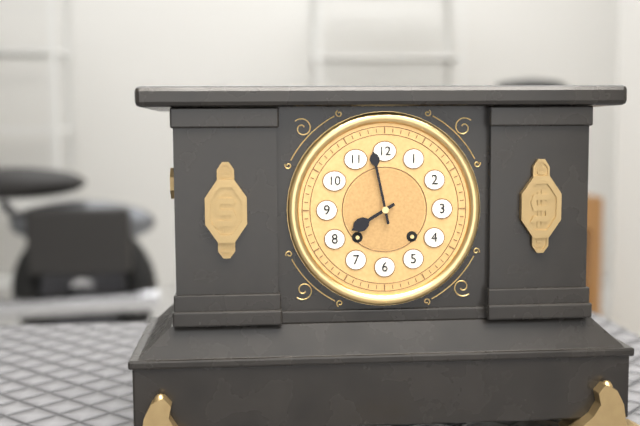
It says 7:58
